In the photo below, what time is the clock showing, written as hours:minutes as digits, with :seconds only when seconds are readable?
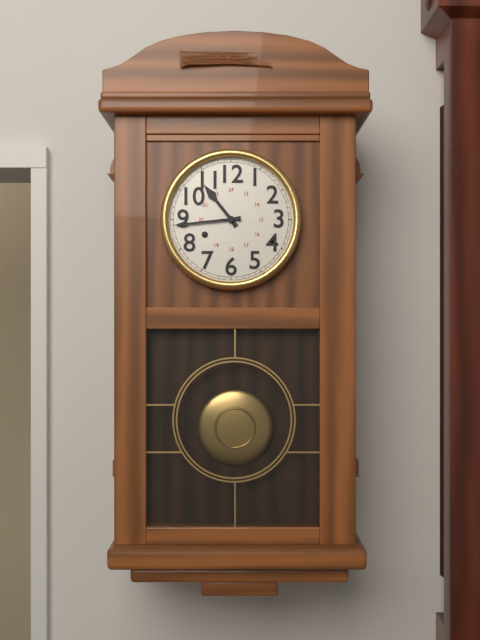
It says 10:44
